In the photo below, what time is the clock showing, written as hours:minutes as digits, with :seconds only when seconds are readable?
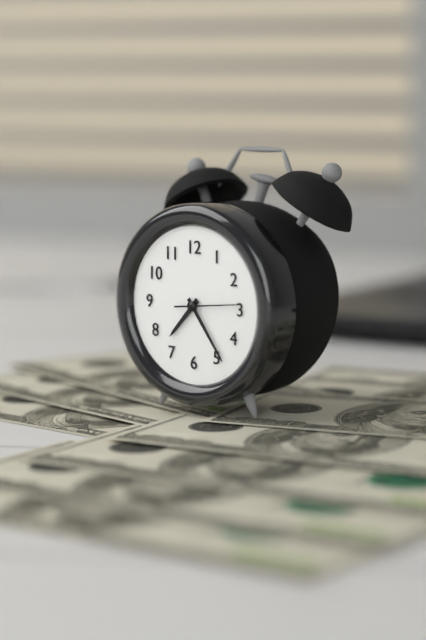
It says 7:24:14
